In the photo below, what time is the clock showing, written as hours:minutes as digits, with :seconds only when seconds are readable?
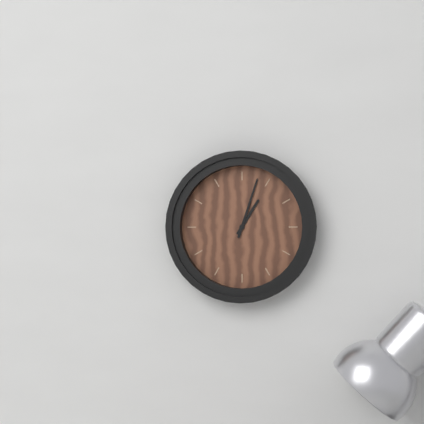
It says 1:03
